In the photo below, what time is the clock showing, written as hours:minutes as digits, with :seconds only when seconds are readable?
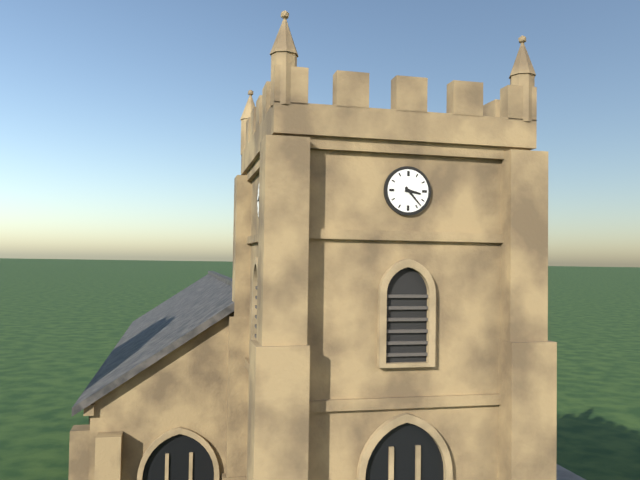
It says 3:23
